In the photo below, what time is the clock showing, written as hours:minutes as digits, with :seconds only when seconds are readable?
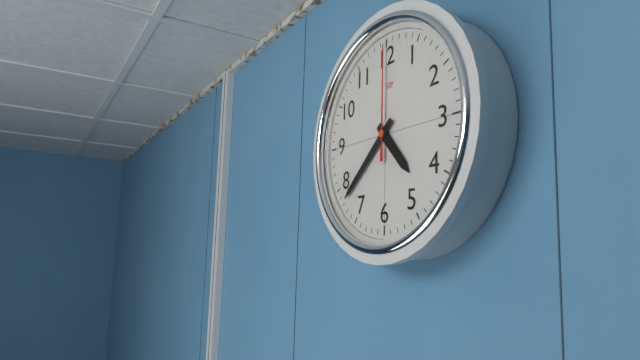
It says 4:38:00
